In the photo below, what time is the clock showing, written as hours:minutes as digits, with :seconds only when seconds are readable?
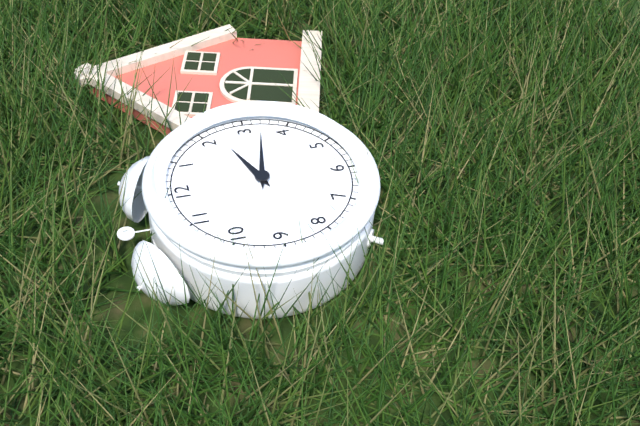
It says 2:17
